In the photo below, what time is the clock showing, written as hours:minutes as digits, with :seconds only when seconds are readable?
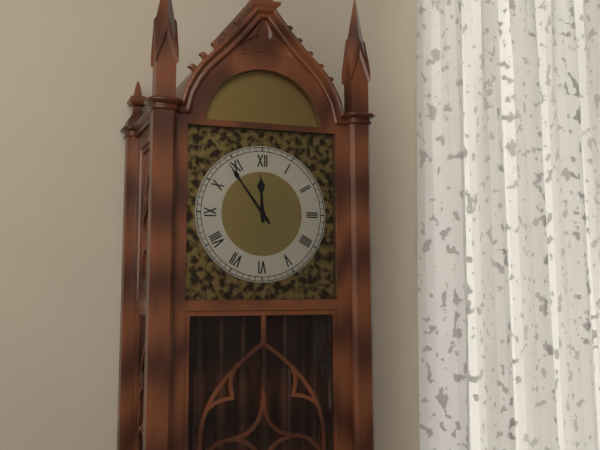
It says 11:54
